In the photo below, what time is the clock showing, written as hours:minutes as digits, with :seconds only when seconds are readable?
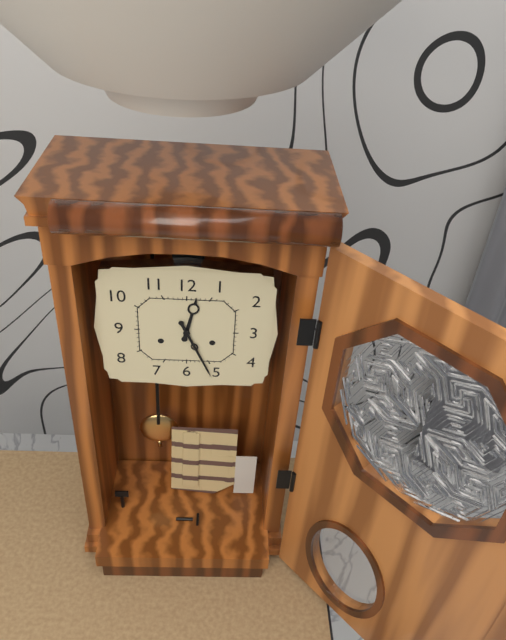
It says 12:26
